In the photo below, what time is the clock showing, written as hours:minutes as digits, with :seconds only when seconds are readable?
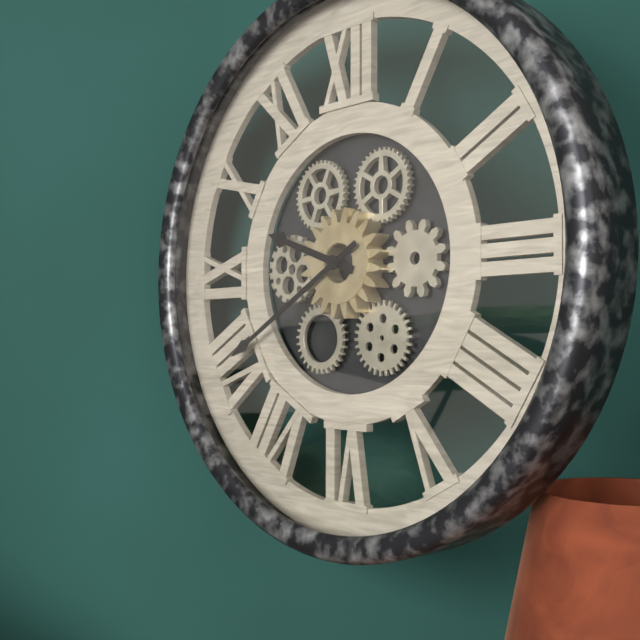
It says 9:40
